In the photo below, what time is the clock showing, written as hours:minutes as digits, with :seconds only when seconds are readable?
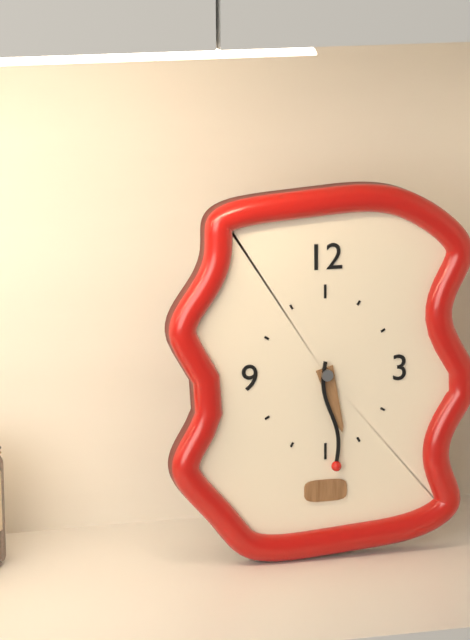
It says 5:29
